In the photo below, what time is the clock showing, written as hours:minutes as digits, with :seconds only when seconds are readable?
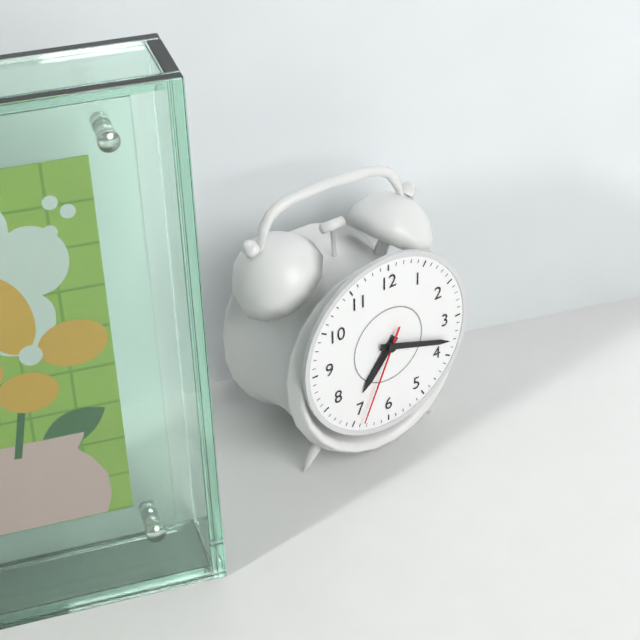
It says 7:18:34
